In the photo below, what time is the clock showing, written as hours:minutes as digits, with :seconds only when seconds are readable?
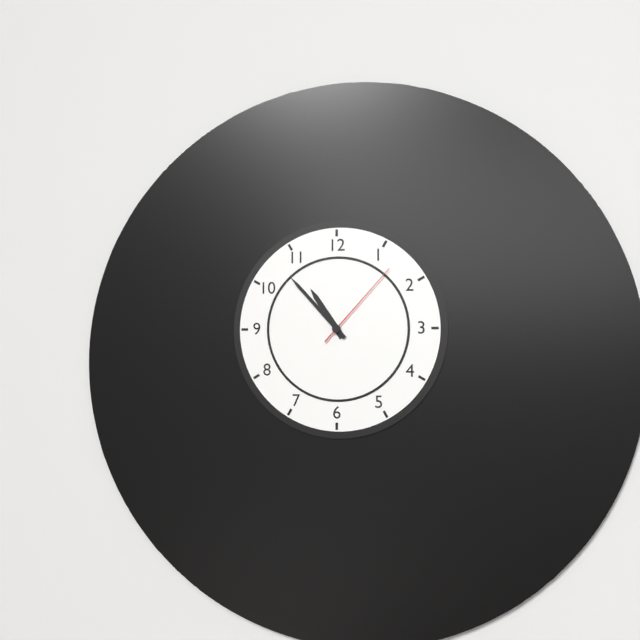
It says 10:53:07
